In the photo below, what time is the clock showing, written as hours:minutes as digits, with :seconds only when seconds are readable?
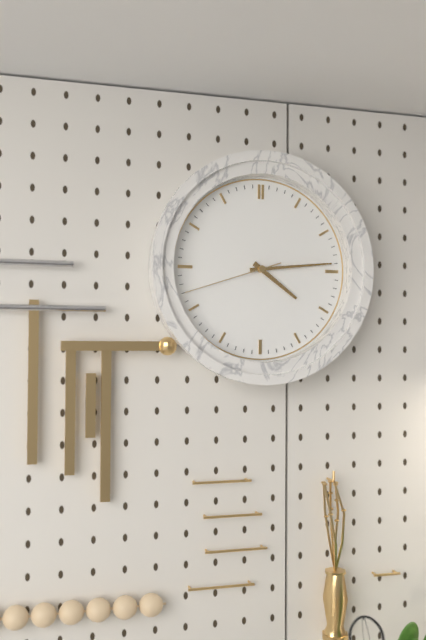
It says 4:14:42
